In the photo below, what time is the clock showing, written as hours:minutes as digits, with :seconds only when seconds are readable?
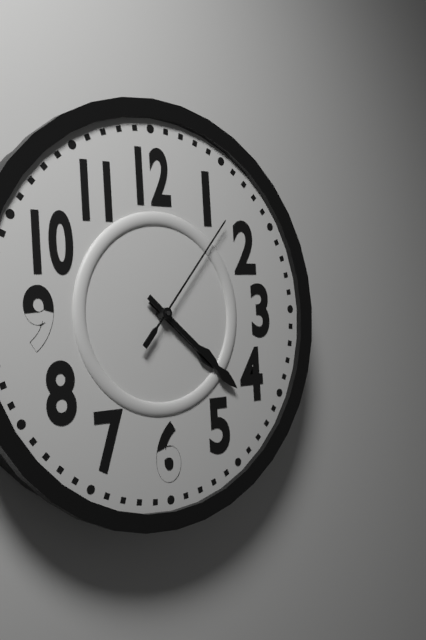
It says 4:22:07
